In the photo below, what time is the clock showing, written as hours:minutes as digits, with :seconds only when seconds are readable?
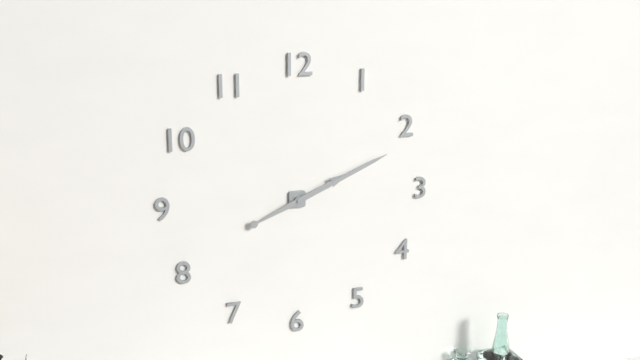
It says 2:11
